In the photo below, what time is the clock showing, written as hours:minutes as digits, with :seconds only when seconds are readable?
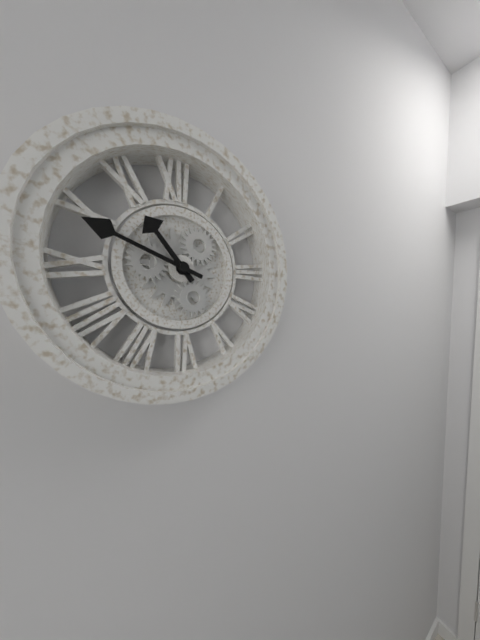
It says 10:49
